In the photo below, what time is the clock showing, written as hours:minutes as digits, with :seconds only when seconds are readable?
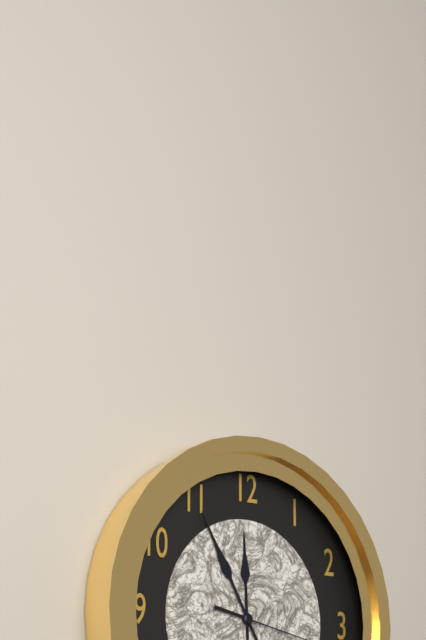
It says 11:55
